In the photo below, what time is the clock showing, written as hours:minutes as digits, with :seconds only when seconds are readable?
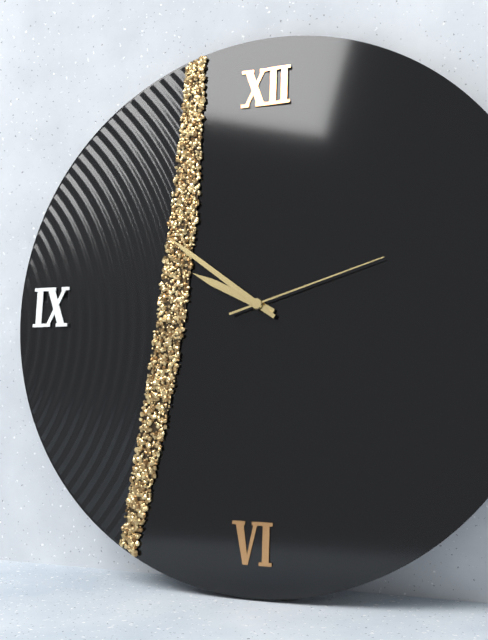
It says 9:51:12
